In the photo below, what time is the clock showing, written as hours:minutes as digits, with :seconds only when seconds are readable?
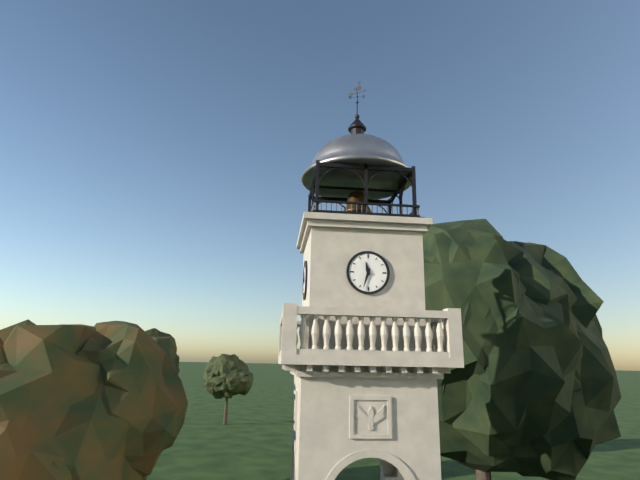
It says 11:33
